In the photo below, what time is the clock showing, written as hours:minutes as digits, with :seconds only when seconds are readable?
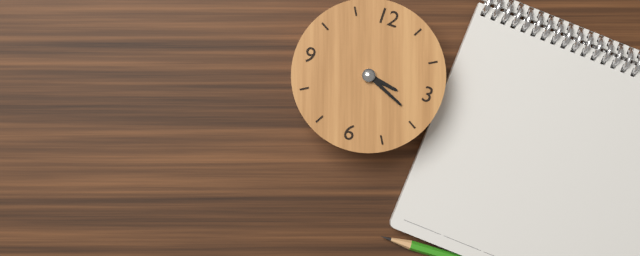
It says 3:19
